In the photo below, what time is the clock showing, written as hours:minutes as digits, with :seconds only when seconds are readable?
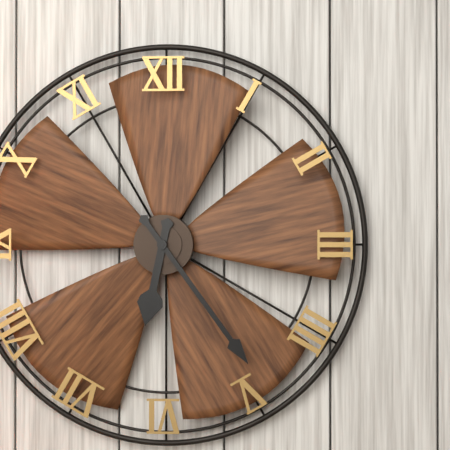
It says 6:24
